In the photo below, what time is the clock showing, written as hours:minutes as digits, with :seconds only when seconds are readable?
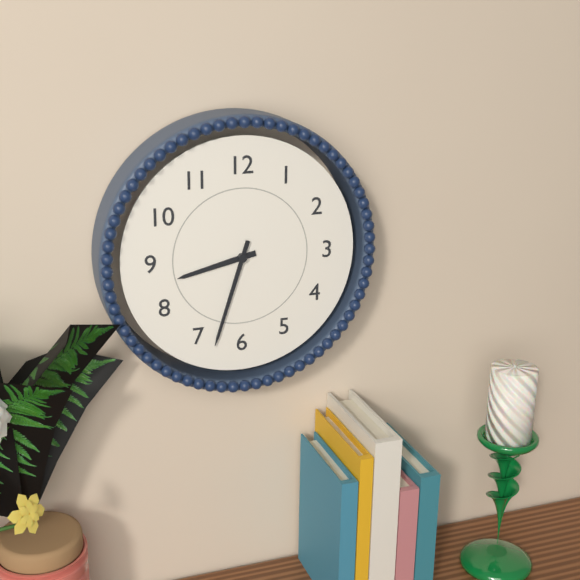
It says 8:33
